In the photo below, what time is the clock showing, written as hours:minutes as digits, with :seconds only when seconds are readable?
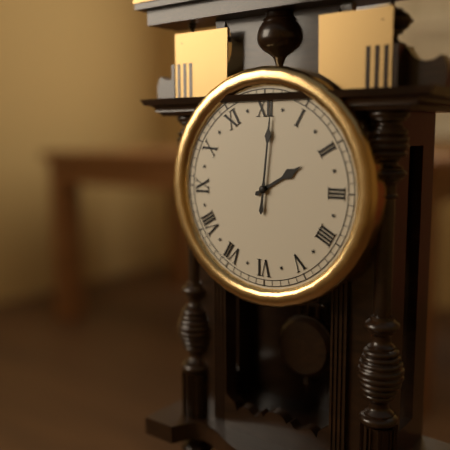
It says 2:01
